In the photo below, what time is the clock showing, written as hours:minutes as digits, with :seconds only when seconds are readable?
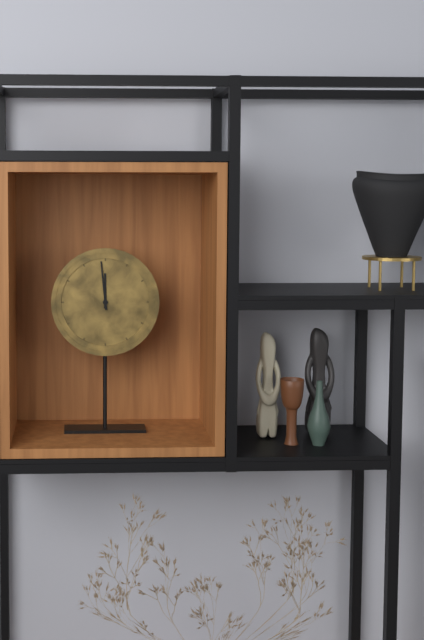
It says 11:59
